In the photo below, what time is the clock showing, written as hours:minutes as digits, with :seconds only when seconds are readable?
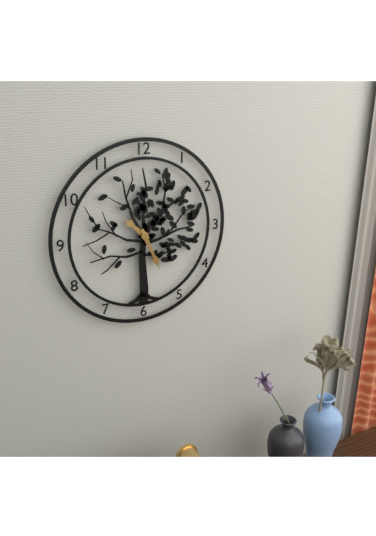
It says 10:26
